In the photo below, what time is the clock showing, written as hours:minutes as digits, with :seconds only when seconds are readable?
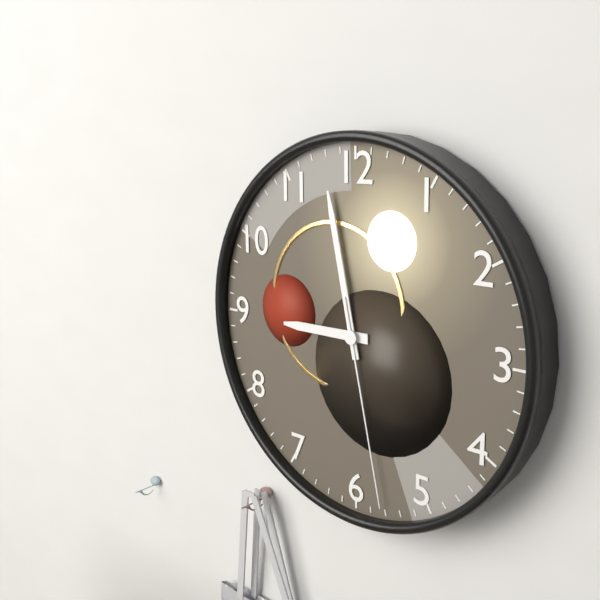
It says 8:58:28
